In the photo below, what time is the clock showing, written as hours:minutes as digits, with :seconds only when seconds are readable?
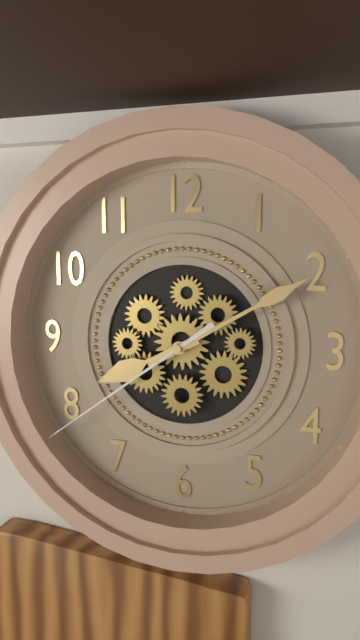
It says 8:10:39
